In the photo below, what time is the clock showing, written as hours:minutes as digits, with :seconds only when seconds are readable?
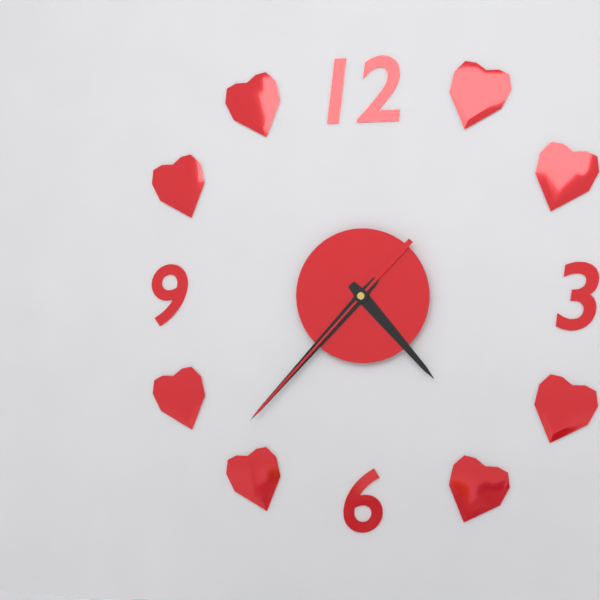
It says 4:37:37
